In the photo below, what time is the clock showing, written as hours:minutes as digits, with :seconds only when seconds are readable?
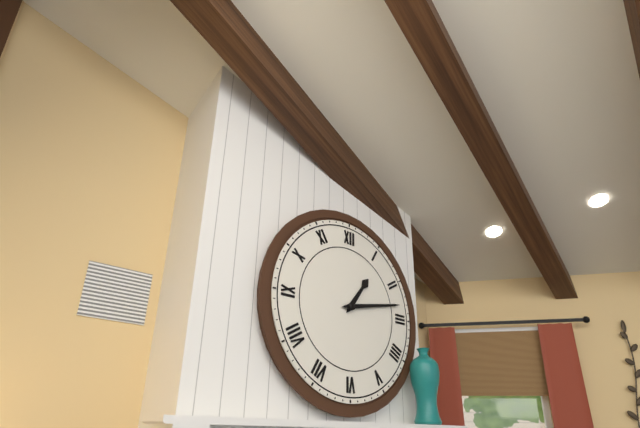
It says 1:13
